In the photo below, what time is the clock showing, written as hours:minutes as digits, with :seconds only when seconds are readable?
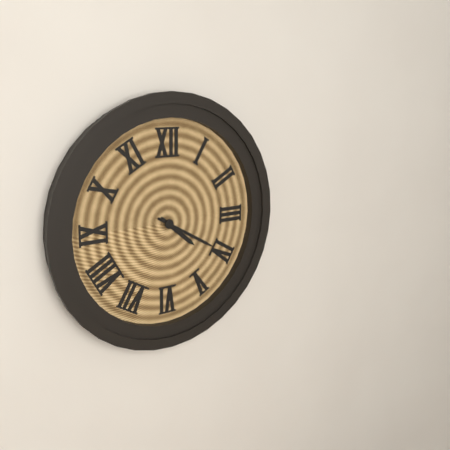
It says 4:20
